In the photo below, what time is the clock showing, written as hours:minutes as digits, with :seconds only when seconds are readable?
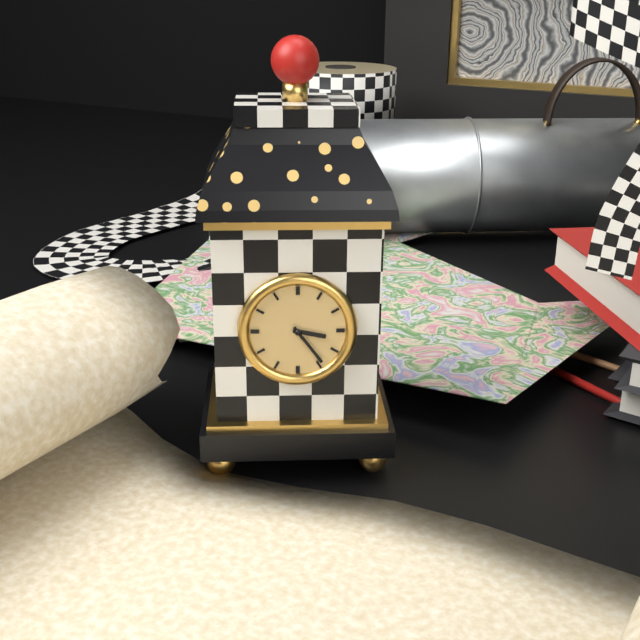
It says 3:24
